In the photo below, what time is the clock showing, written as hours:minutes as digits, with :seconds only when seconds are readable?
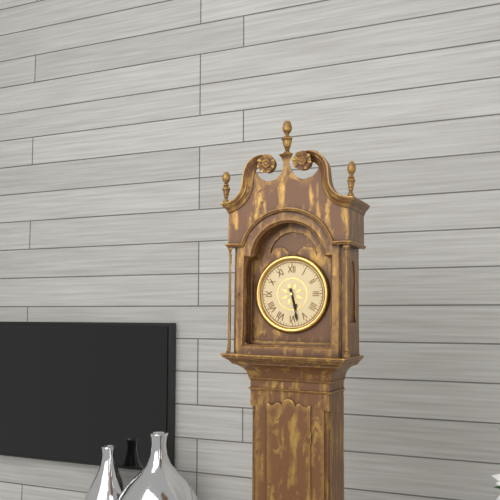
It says 5:28
